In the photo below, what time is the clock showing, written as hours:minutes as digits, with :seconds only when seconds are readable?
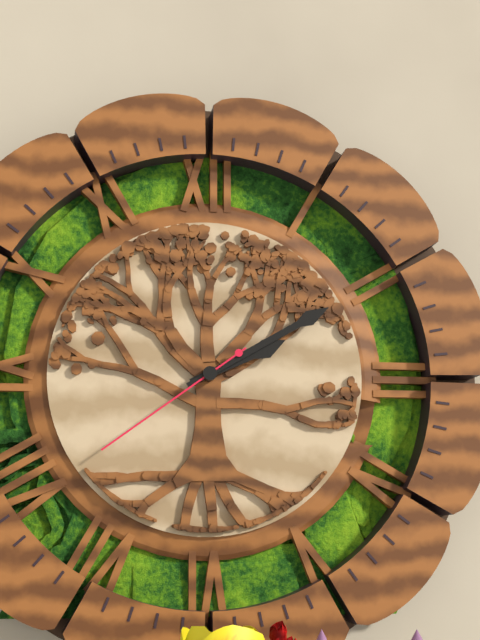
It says 2:10:39
